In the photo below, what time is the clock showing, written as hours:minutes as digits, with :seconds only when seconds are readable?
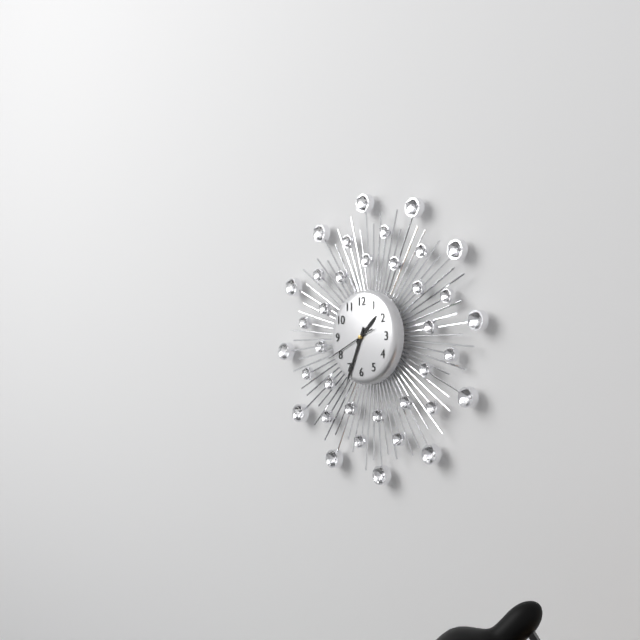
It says 1:34
